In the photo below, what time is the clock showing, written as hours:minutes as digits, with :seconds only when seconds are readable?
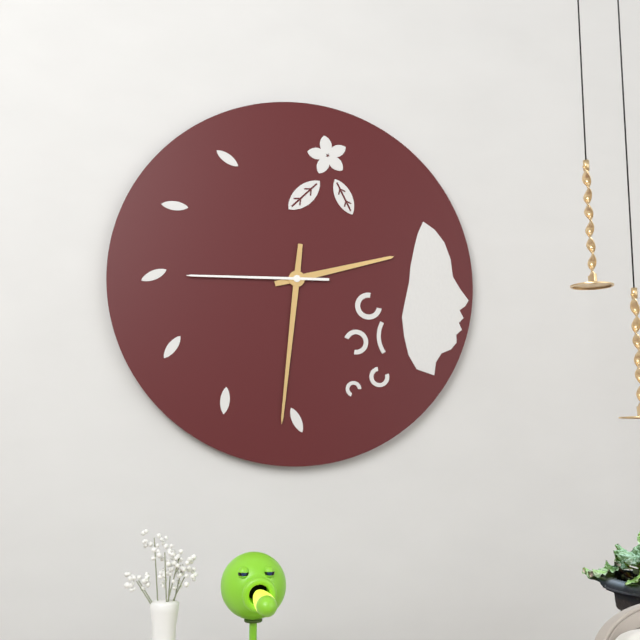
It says 2:31:45
